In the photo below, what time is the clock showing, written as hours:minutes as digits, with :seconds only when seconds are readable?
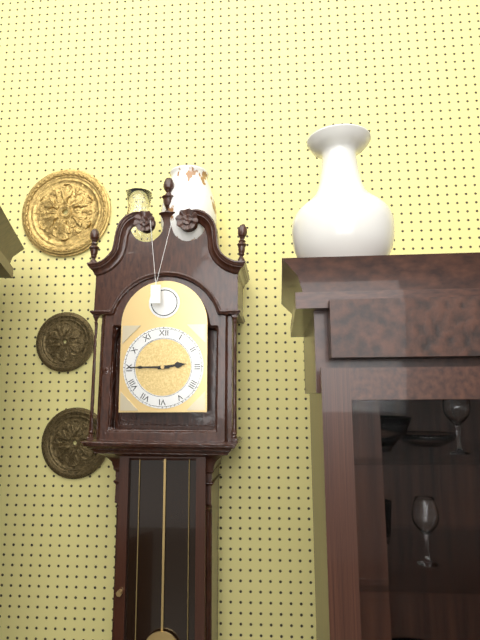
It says 2:45
